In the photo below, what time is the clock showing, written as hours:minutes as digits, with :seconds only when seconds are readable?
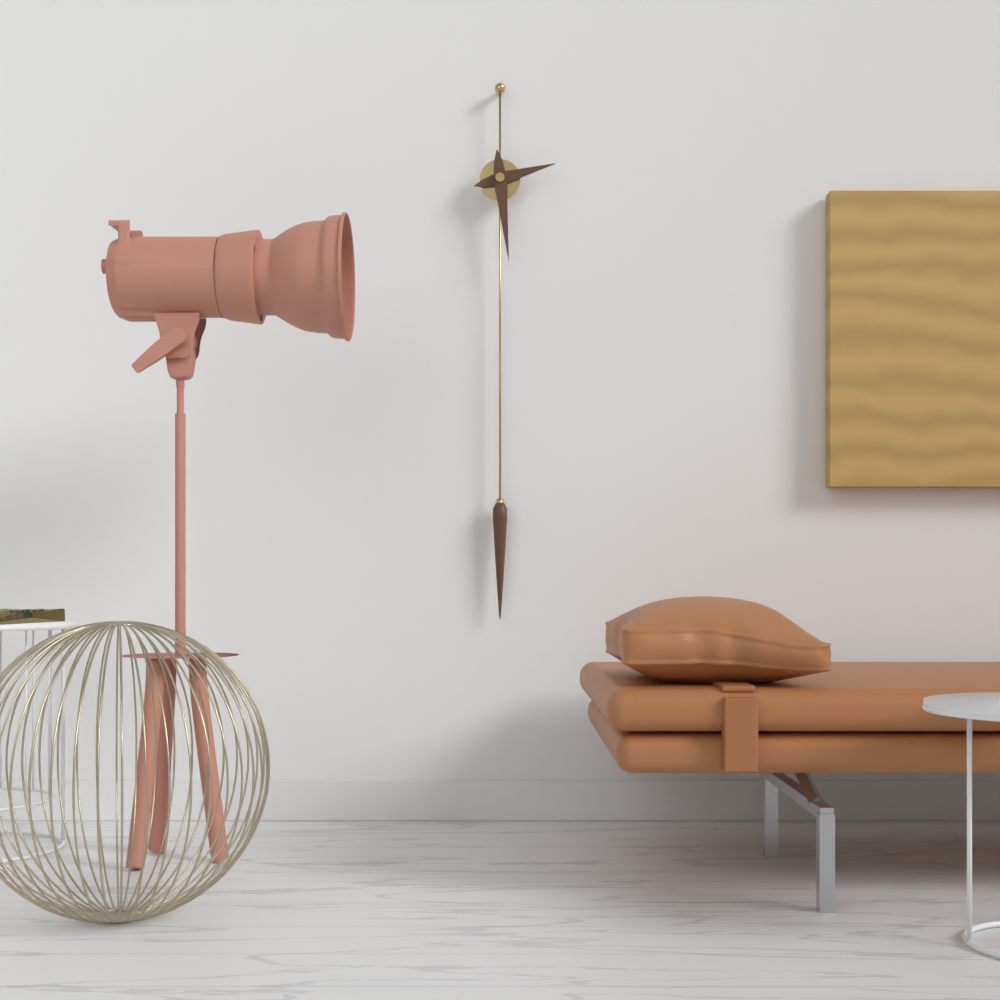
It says 2:29
